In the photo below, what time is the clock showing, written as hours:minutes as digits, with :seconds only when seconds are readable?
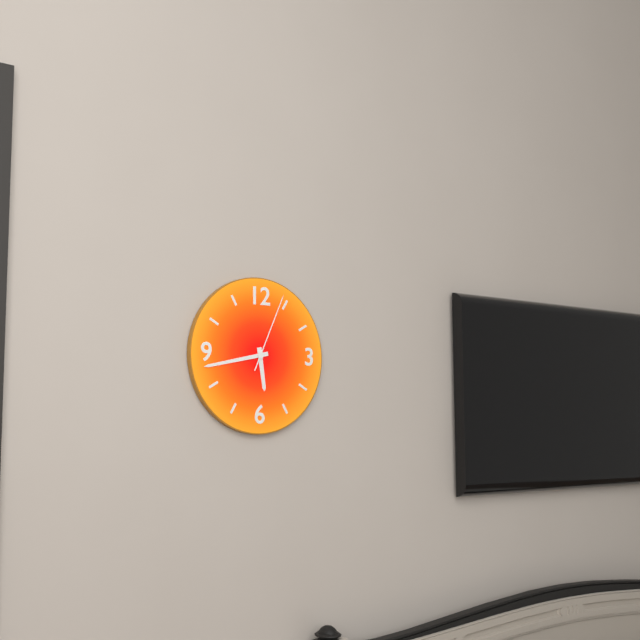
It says 5:43:04
